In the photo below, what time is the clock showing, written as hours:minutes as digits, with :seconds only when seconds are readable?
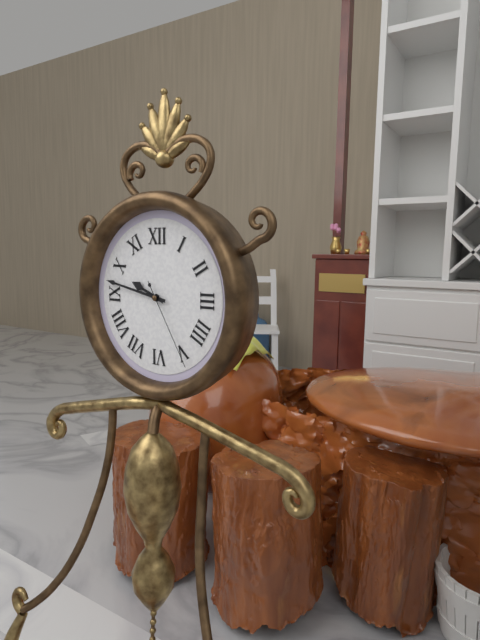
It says 9:47:25
